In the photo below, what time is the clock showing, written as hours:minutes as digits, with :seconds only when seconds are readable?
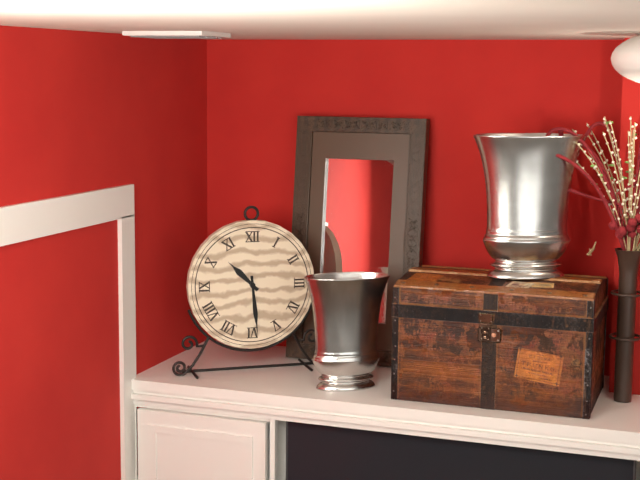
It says 10:29
